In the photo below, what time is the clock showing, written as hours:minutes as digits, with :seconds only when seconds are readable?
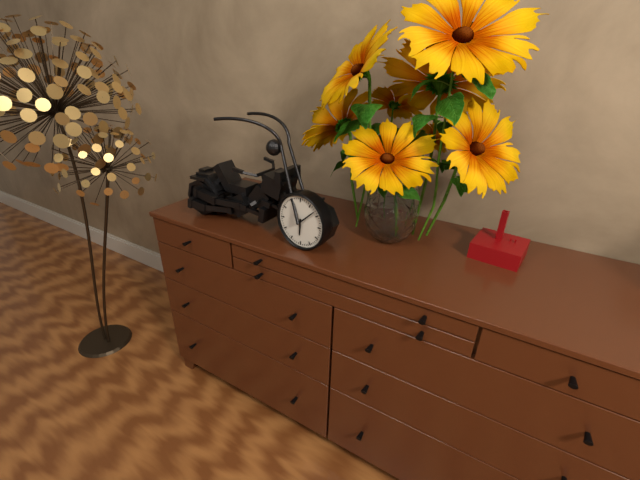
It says 6:08
